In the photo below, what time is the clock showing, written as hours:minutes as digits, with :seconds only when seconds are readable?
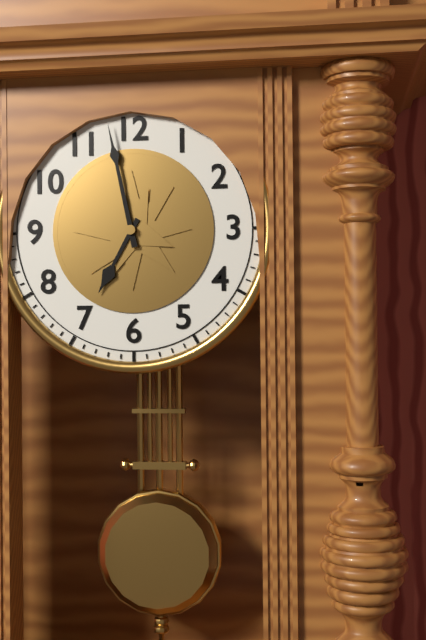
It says 6:58
